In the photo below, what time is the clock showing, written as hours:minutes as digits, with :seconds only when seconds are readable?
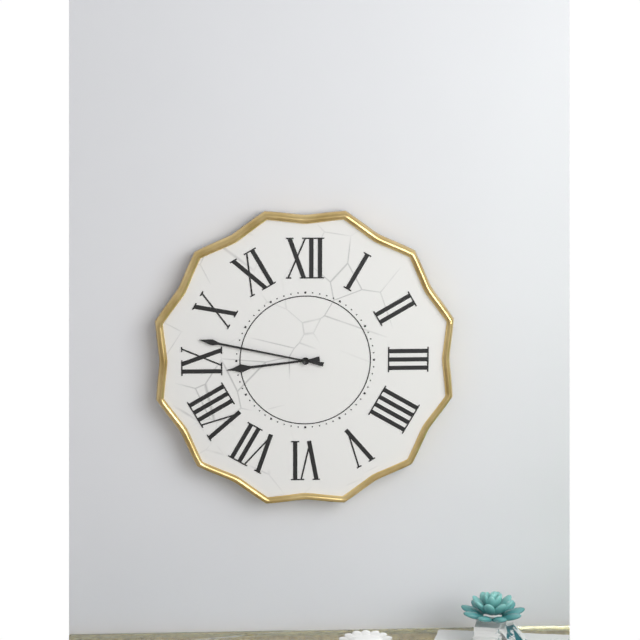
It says 8:47
